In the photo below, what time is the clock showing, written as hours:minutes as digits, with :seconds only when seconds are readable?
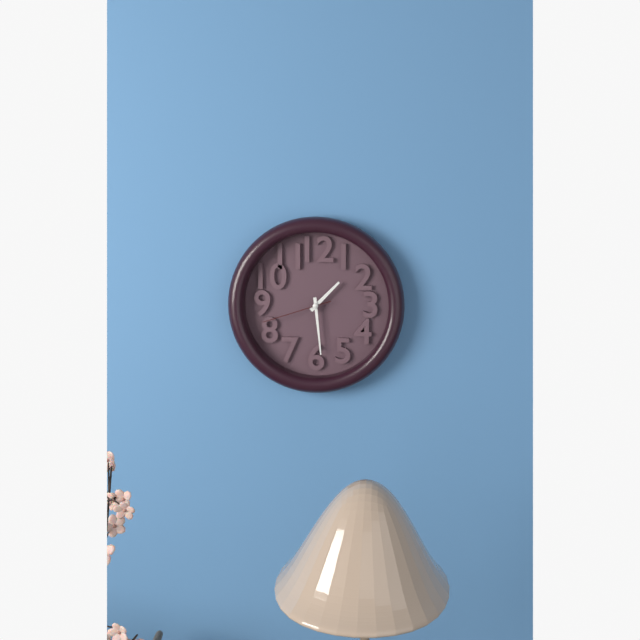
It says 1:29:42
